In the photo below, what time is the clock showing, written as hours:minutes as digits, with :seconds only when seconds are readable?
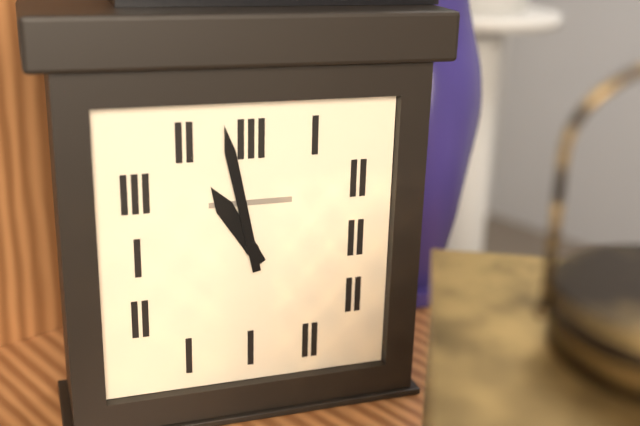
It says 10:58
